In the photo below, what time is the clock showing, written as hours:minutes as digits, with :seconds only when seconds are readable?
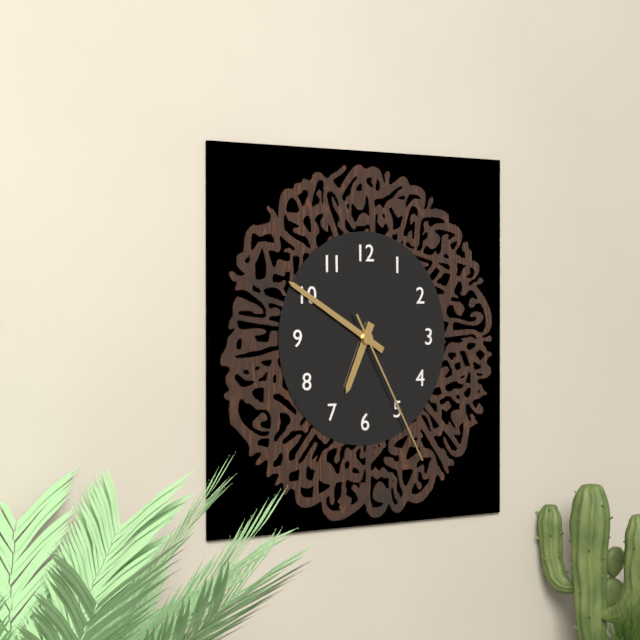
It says 6:50:25
